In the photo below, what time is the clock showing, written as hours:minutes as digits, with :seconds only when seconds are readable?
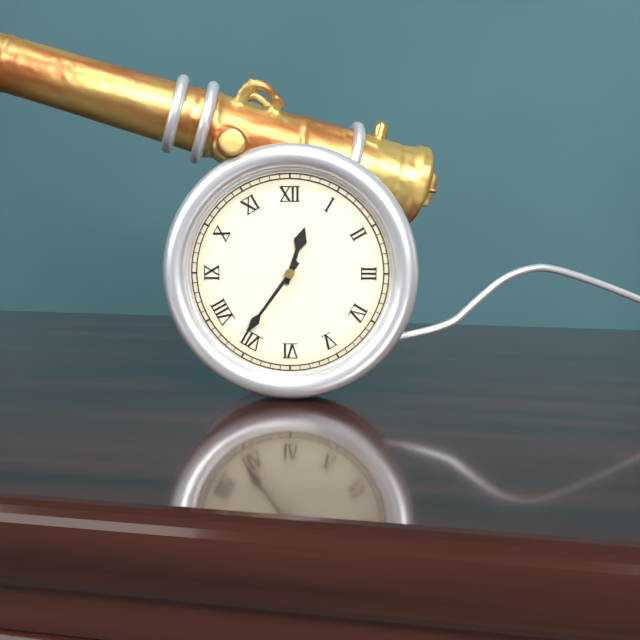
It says 12:36
